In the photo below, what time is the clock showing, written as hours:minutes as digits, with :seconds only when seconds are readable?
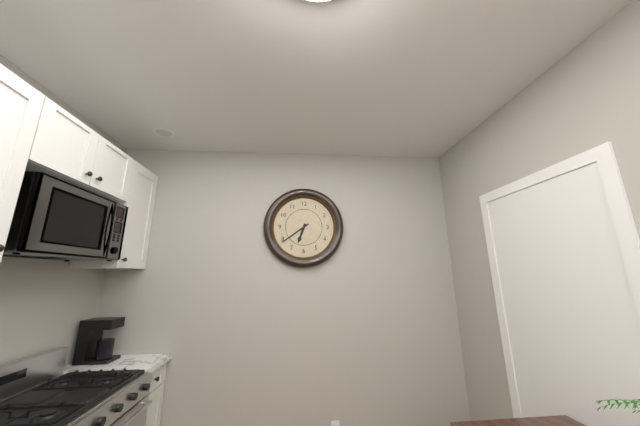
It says 6:39
